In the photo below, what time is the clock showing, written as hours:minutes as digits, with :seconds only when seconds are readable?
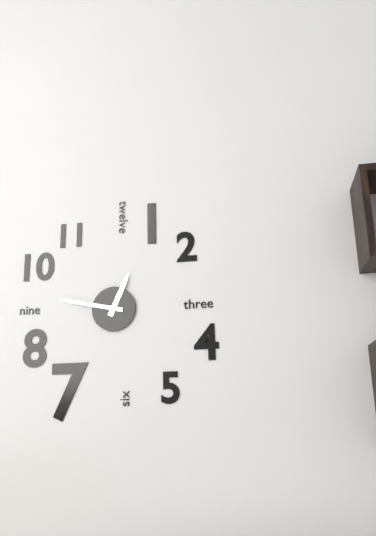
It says 12:47
